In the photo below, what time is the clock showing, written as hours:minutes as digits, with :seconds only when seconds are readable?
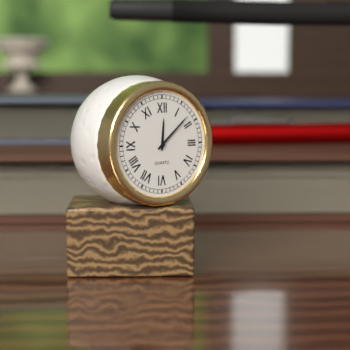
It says 12:08
